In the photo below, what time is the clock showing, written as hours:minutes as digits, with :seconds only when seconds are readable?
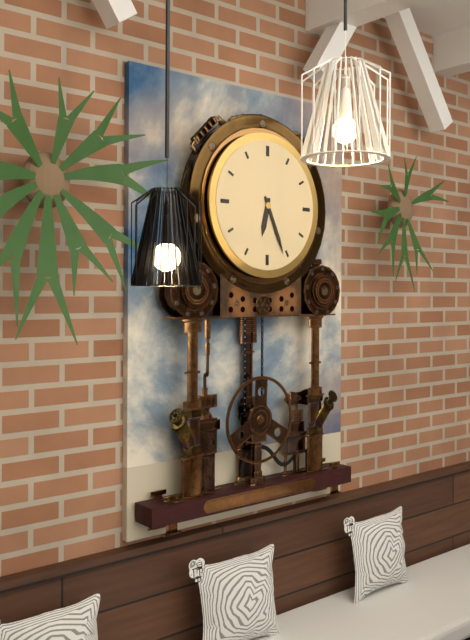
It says 6:26
